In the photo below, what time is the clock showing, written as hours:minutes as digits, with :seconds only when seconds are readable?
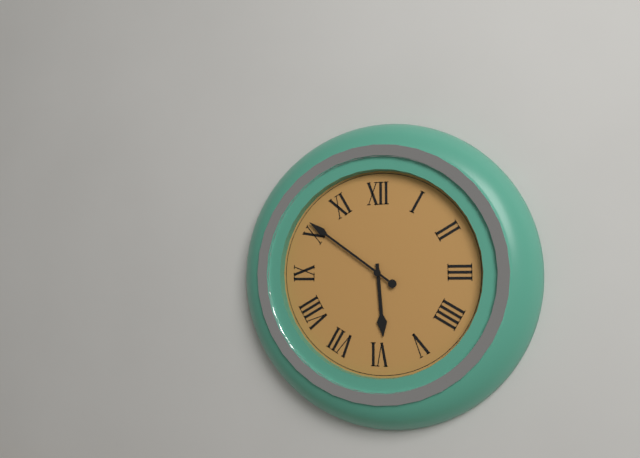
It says 5:51
